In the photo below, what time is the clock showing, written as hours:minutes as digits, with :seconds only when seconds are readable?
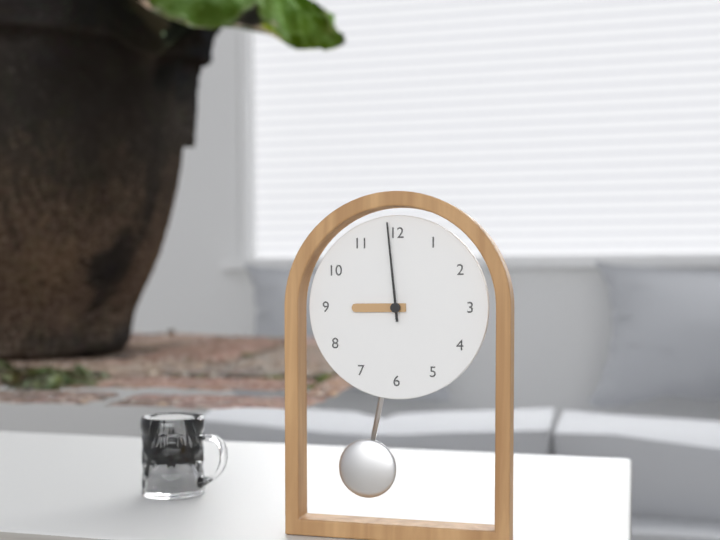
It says 8:59
